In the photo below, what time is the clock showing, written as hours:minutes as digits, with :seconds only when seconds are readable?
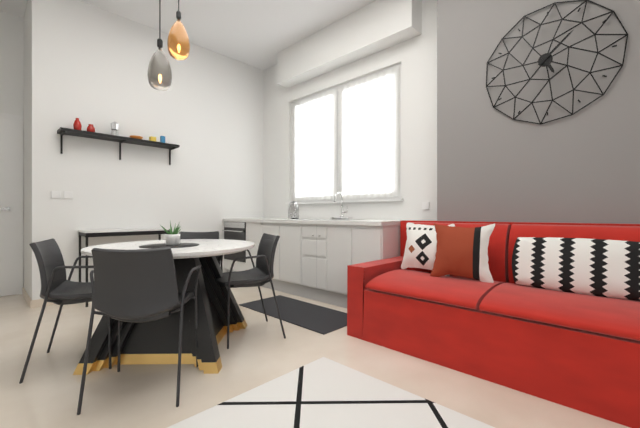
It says 5:08
